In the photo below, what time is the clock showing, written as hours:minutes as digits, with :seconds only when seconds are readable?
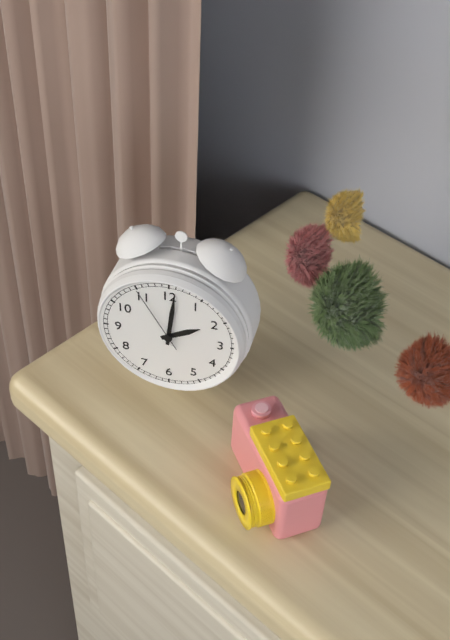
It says 2:01:55
